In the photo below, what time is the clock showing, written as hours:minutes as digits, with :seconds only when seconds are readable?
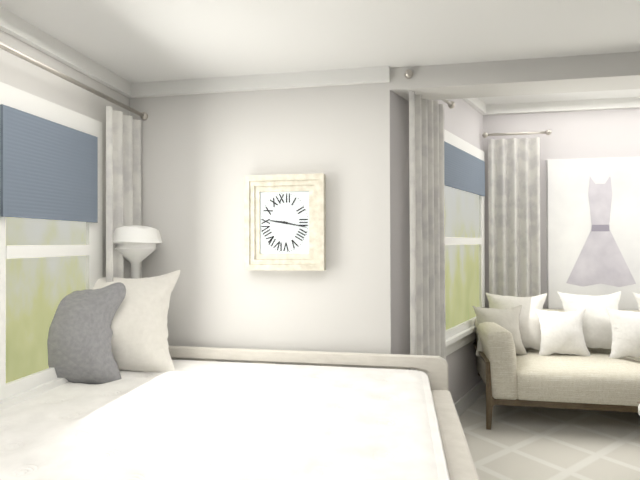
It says 9:17
